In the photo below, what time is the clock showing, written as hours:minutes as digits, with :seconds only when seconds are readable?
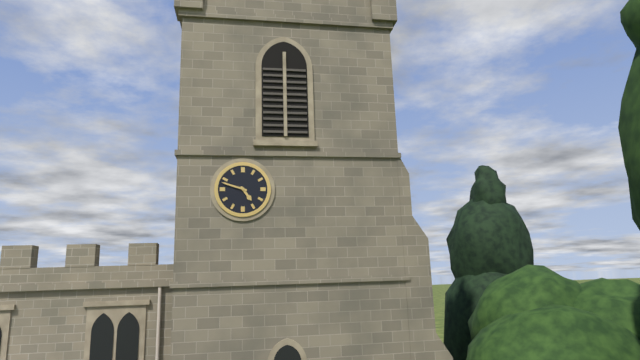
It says 4:48
